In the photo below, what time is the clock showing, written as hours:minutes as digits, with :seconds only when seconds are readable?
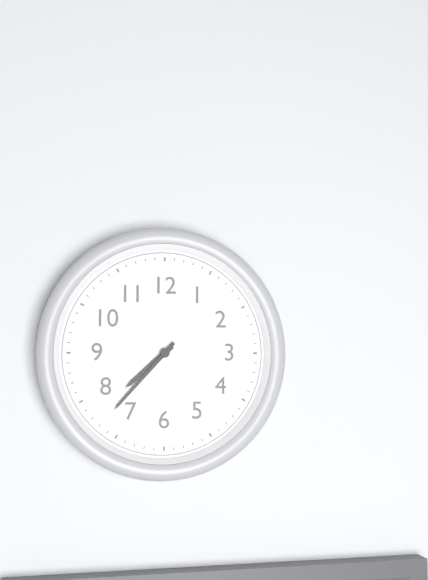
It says 7:37
